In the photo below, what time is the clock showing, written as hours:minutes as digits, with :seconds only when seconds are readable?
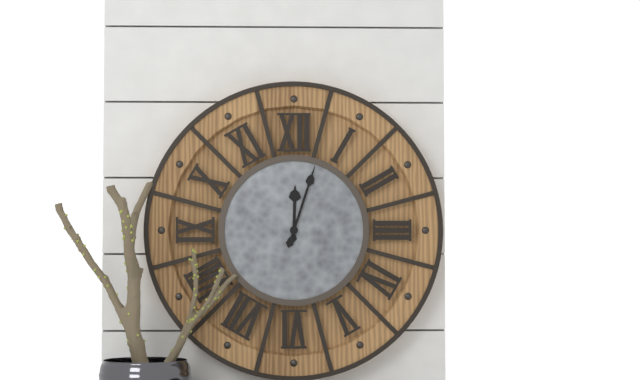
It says 12:03
